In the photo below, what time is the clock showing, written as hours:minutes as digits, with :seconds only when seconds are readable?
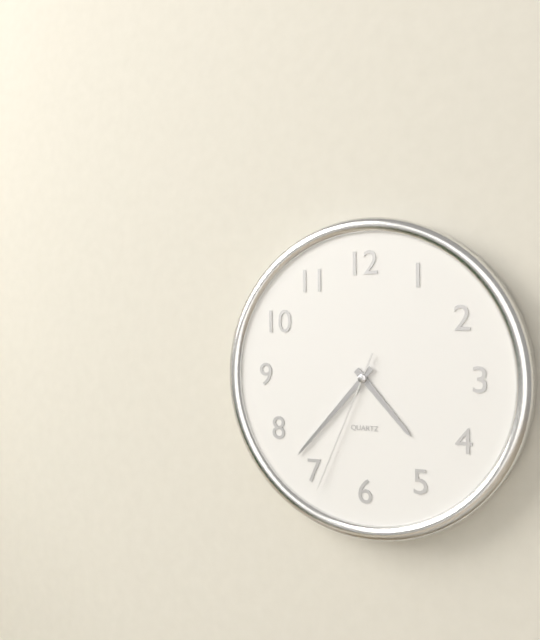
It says 4:37:34
